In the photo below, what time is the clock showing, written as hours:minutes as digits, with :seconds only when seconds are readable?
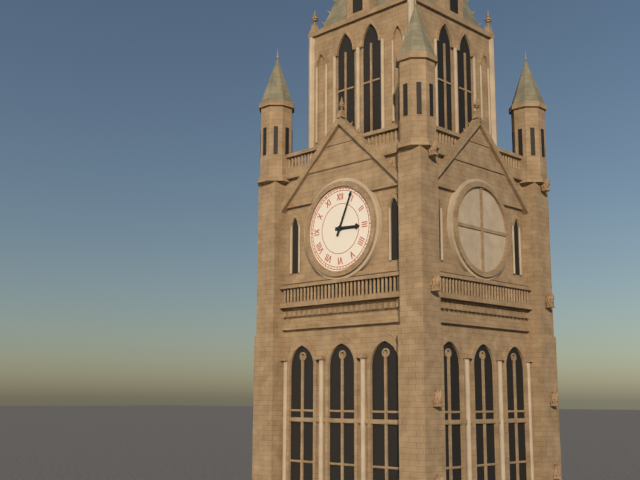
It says 3:04
